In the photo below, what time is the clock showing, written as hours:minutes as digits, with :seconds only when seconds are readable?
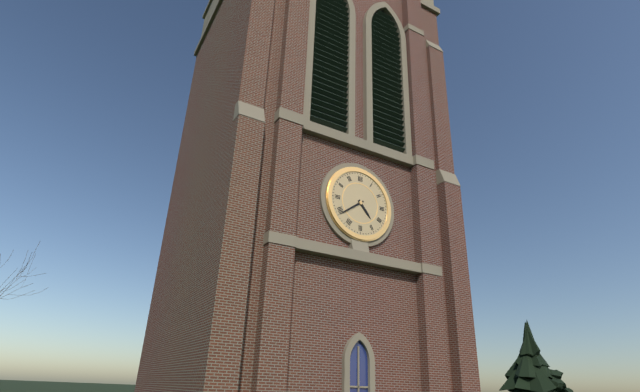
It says 4:39
